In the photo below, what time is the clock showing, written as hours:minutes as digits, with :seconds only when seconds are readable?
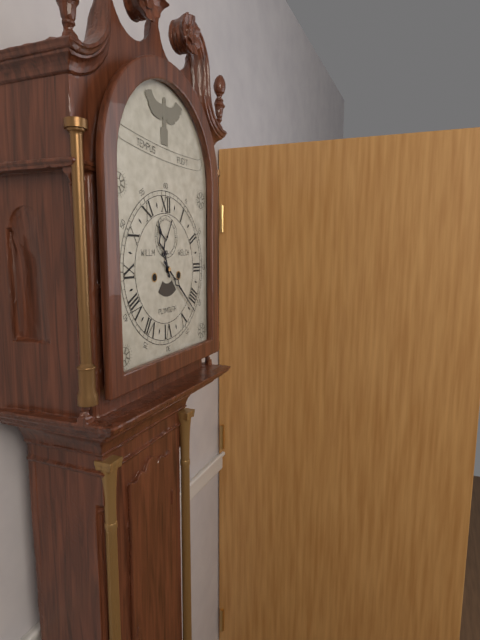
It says 11:22
